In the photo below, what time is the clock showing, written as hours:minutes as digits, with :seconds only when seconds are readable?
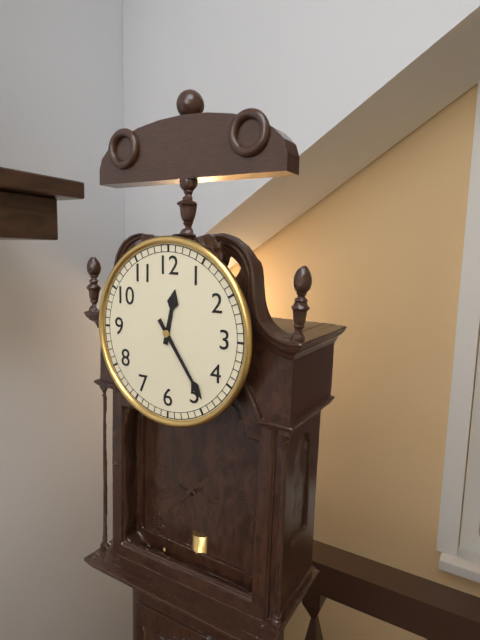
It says 12:24
